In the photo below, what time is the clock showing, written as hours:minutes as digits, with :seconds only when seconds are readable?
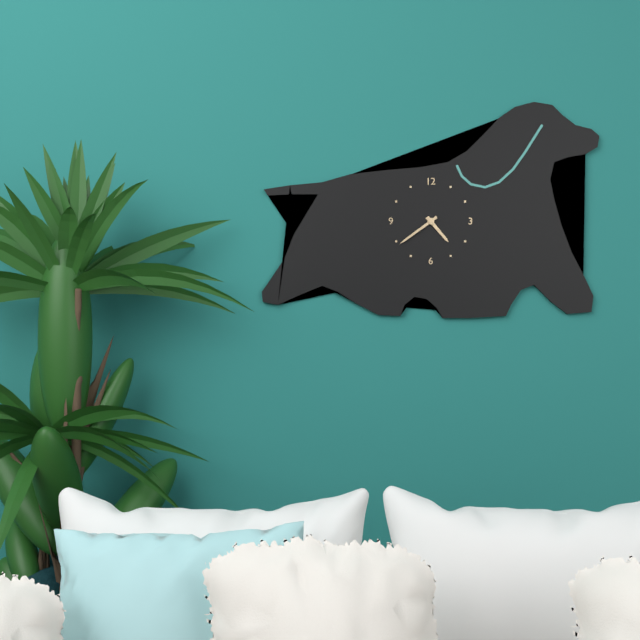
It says 4:39
